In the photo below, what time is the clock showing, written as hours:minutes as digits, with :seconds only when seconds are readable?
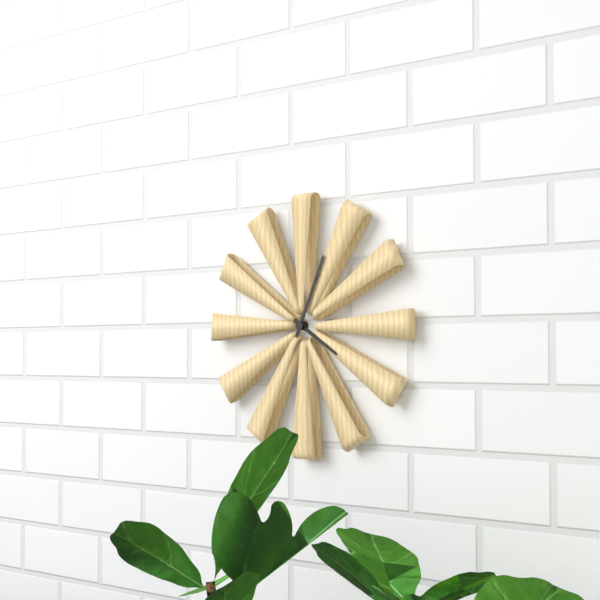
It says 4:04
